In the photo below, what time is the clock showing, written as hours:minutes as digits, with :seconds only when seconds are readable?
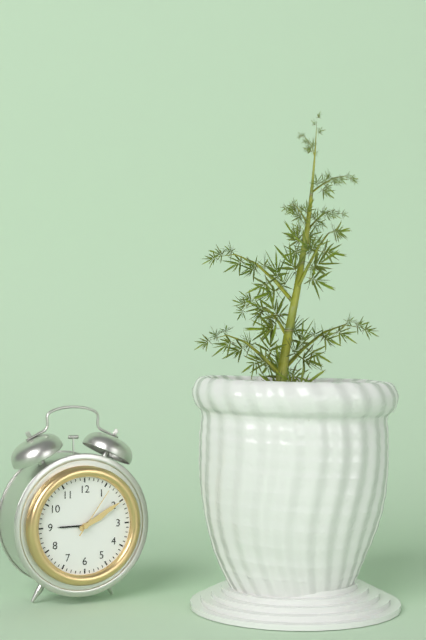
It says 2:10:06
